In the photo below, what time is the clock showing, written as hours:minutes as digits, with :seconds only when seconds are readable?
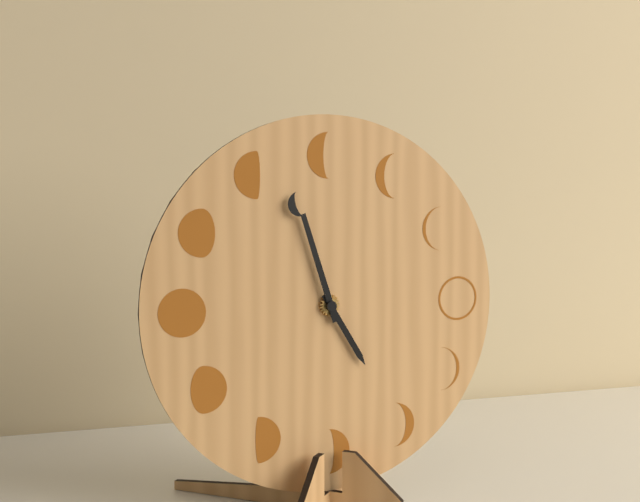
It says 4:57
